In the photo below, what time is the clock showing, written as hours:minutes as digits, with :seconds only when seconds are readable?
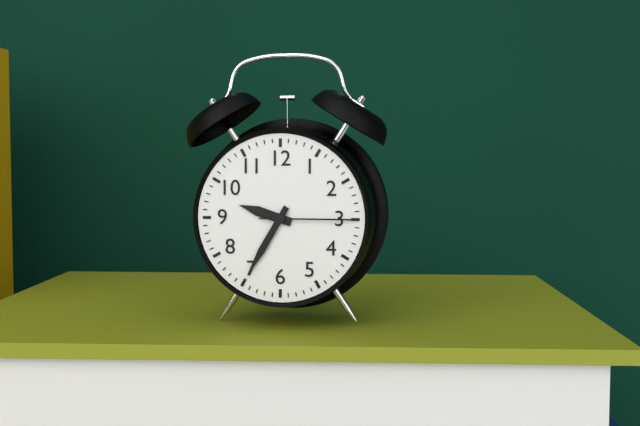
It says 9:35:15
